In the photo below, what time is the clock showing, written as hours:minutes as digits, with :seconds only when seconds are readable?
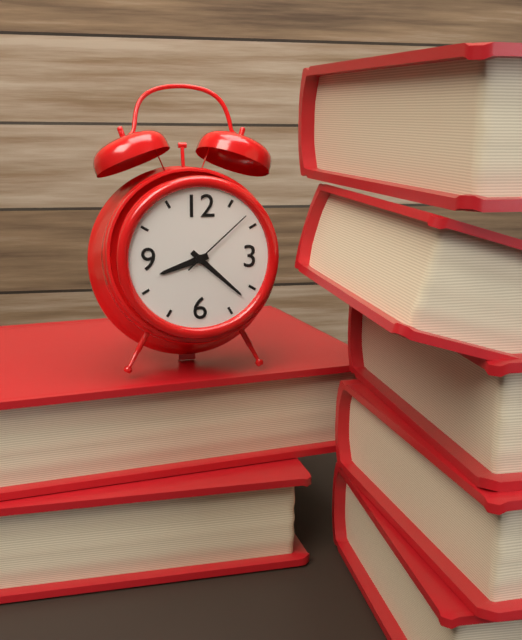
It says 8:22:08
